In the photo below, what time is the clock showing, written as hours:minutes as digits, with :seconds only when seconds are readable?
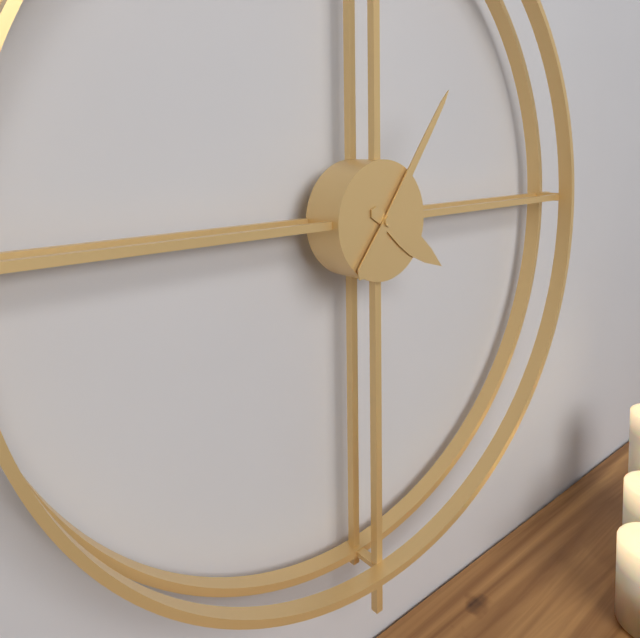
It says 4:06
